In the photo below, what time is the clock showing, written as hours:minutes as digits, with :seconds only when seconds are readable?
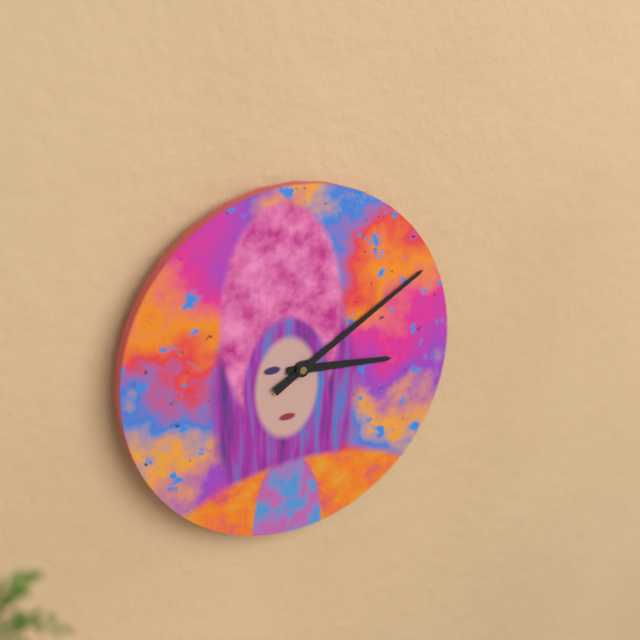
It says 3:10
